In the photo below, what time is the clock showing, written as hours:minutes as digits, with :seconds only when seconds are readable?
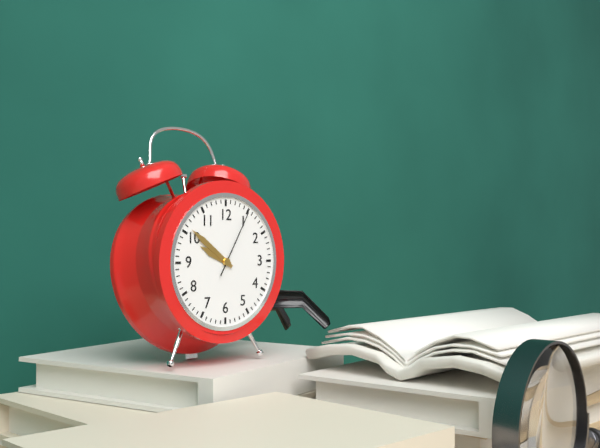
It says 9:51:05
